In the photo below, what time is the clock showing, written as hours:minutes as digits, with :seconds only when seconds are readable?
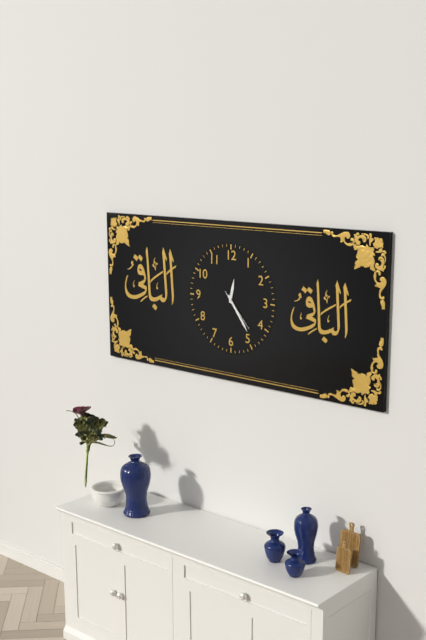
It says 12:24
